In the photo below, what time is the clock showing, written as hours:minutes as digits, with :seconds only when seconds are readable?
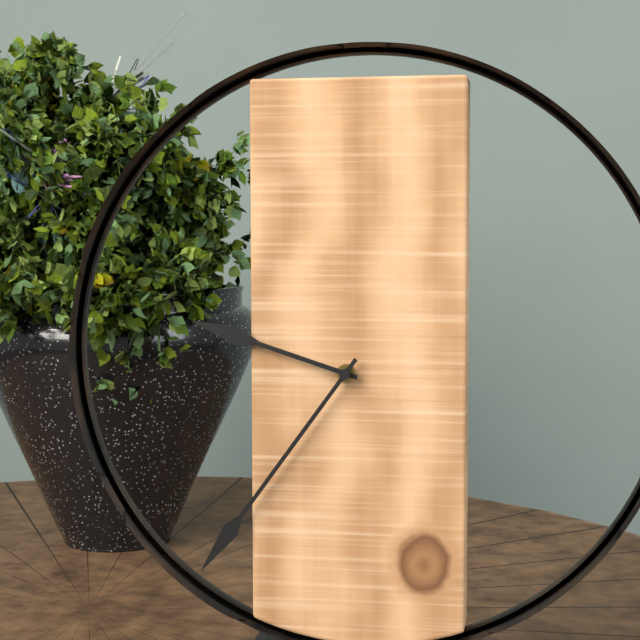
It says 9:36
